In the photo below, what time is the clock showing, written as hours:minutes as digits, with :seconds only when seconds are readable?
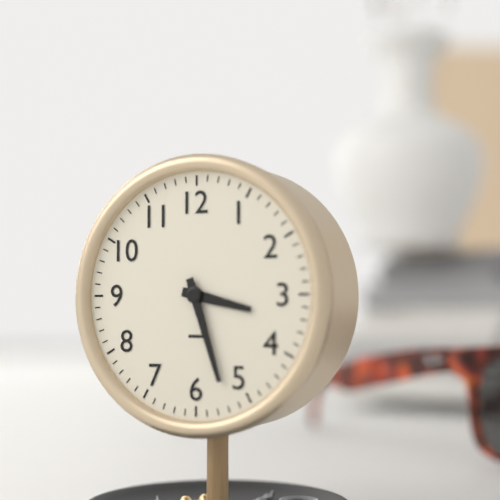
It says 3:27
